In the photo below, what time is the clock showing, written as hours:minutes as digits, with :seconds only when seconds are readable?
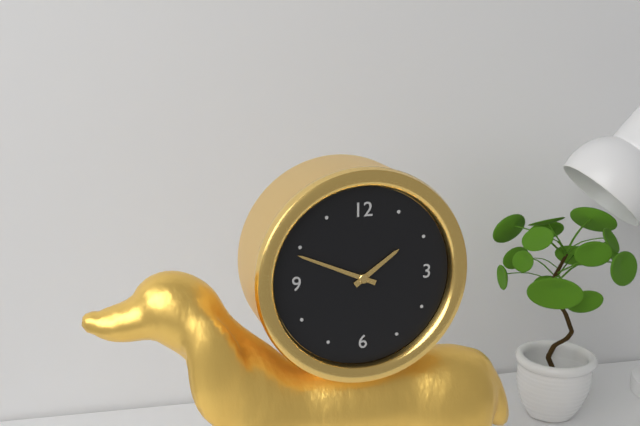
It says 1:49
